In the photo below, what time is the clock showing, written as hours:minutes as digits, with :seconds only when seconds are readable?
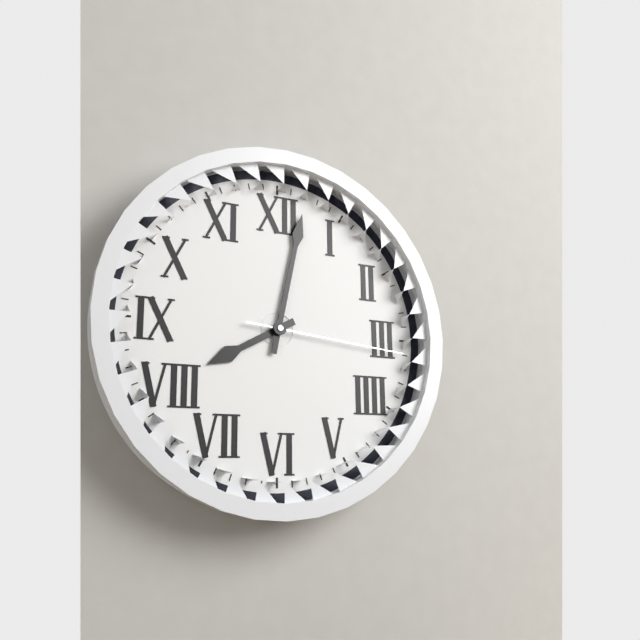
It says 8:02:16
